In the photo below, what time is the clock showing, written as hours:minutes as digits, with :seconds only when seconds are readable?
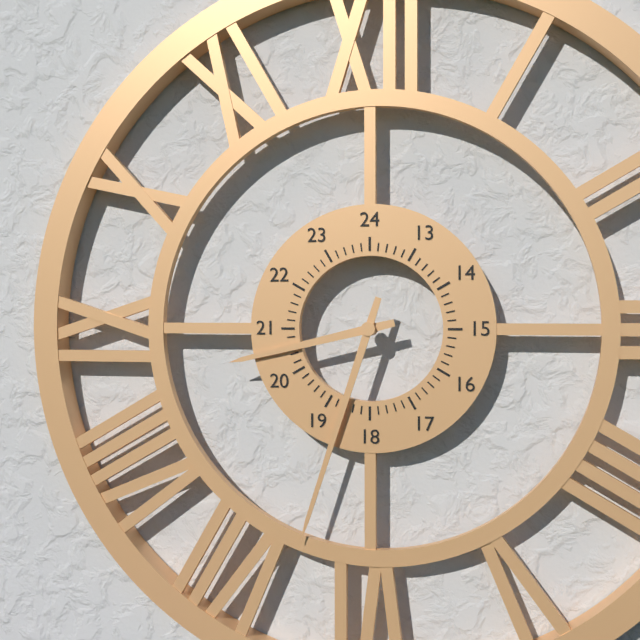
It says 8:33
